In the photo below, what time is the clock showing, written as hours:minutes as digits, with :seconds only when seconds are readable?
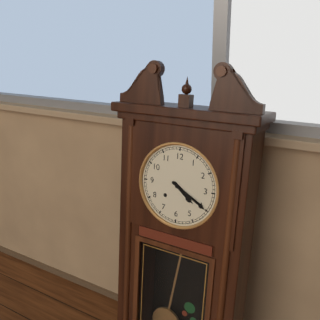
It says 4:20
